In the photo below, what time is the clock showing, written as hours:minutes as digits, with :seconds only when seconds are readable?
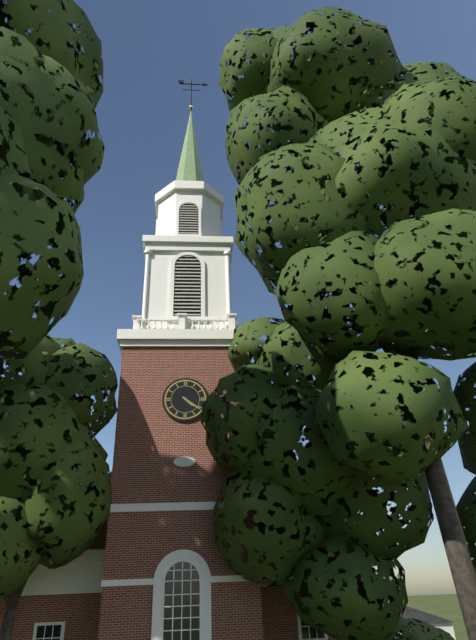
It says 4:21
